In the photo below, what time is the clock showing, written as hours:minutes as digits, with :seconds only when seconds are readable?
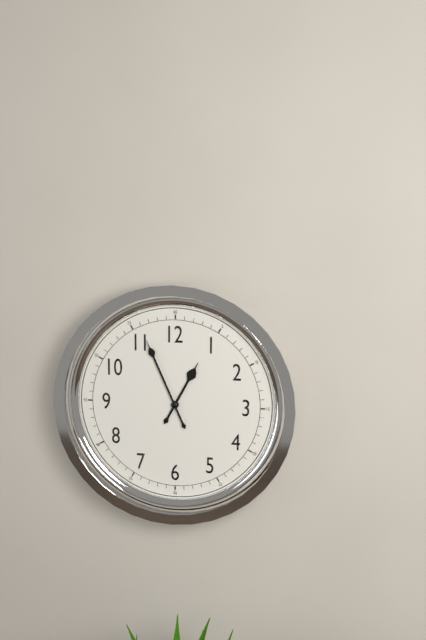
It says 12:56
